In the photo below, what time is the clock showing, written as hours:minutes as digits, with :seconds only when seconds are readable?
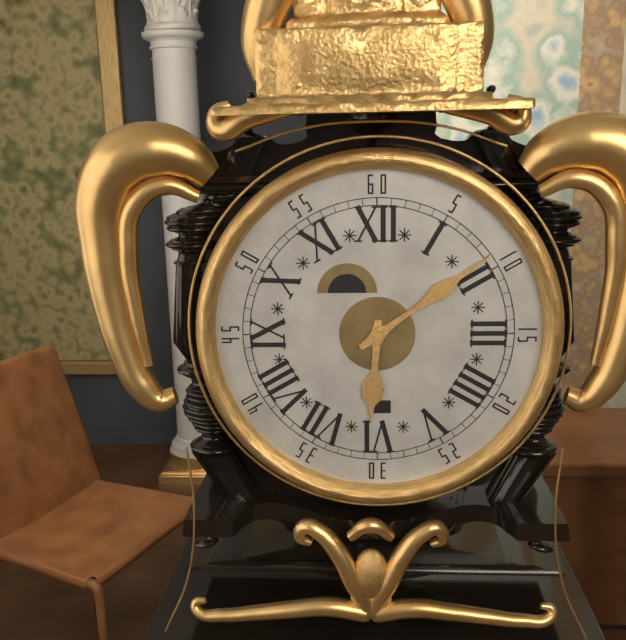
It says 6:09
